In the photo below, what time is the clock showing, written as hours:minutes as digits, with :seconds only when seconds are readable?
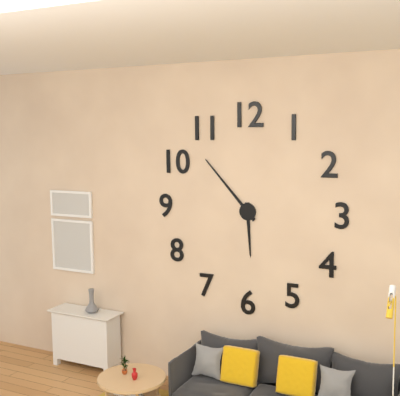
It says 5:53
